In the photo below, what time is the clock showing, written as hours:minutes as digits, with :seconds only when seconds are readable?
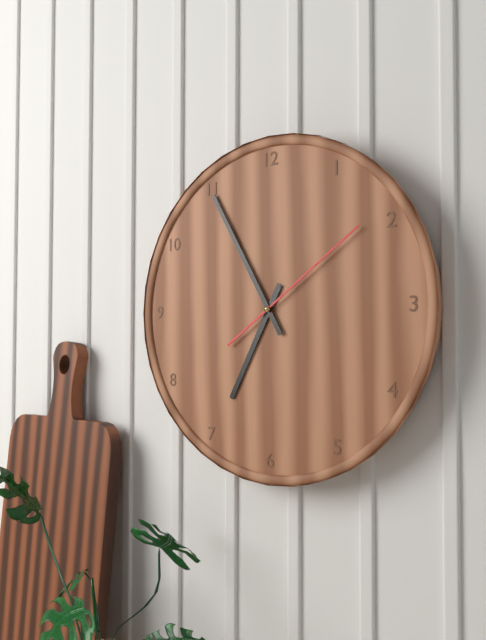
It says 6:55:09
